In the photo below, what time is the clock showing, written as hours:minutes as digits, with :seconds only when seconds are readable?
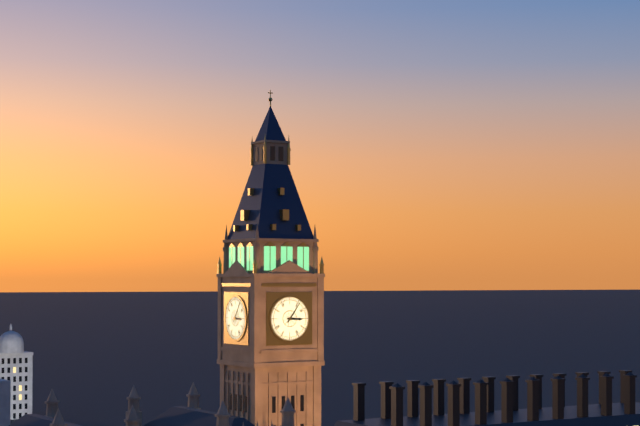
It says 3:06
